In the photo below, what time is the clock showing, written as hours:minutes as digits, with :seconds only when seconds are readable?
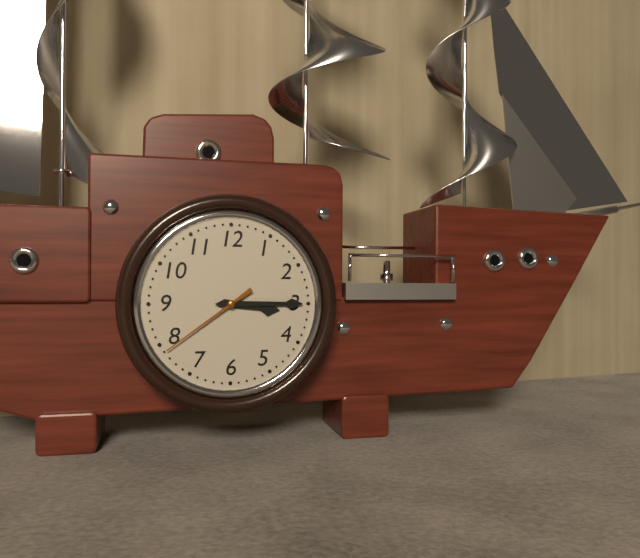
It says 3:15:39
